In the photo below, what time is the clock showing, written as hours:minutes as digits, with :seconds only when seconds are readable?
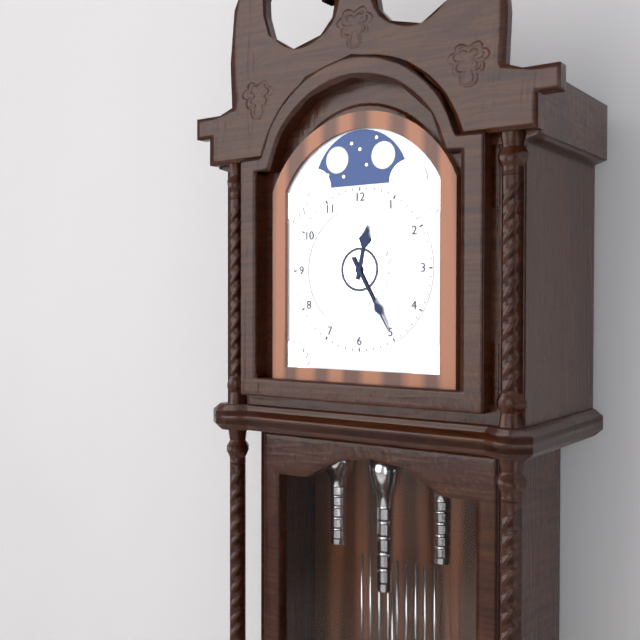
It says 12:25
